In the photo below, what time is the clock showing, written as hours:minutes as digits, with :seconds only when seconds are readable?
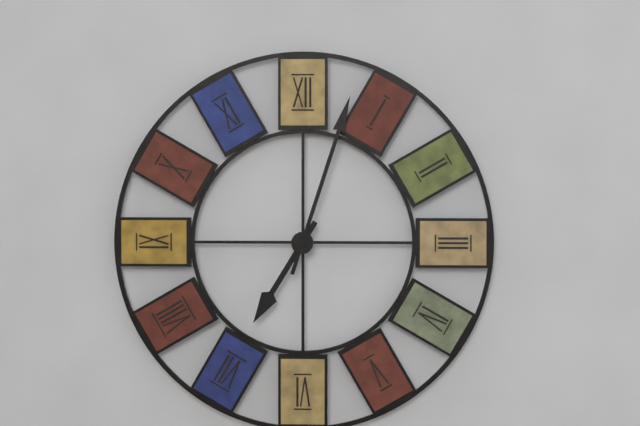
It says 7:03
